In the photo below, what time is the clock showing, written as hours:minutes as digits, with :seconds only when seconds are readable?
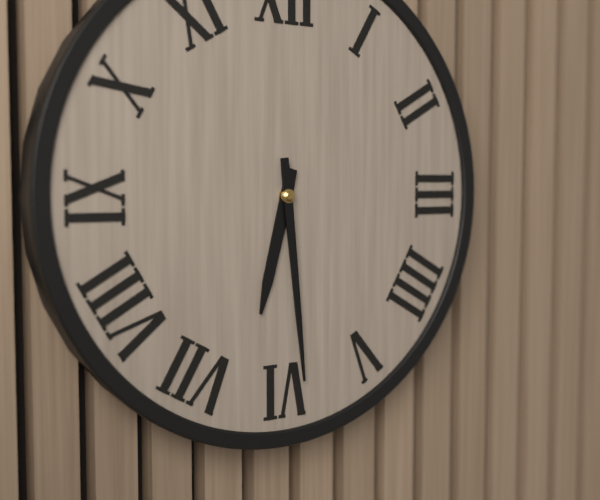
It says 6:29
